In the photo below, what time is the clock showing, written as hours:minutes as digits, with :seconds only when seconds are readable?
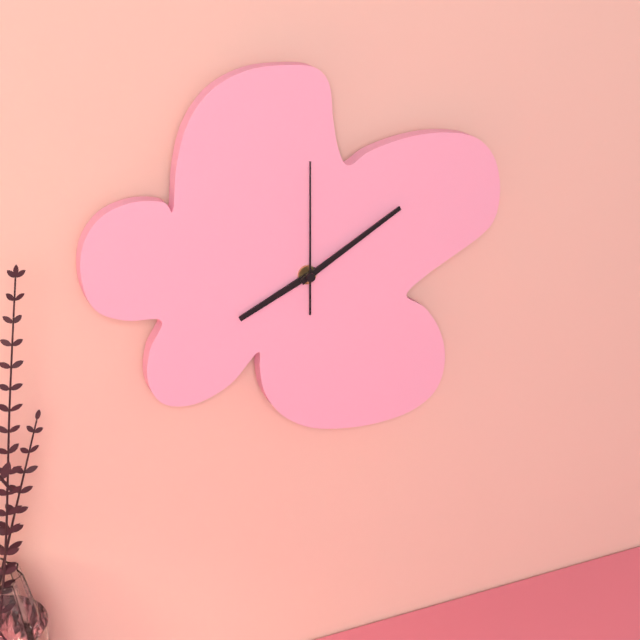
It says 8:10:00
